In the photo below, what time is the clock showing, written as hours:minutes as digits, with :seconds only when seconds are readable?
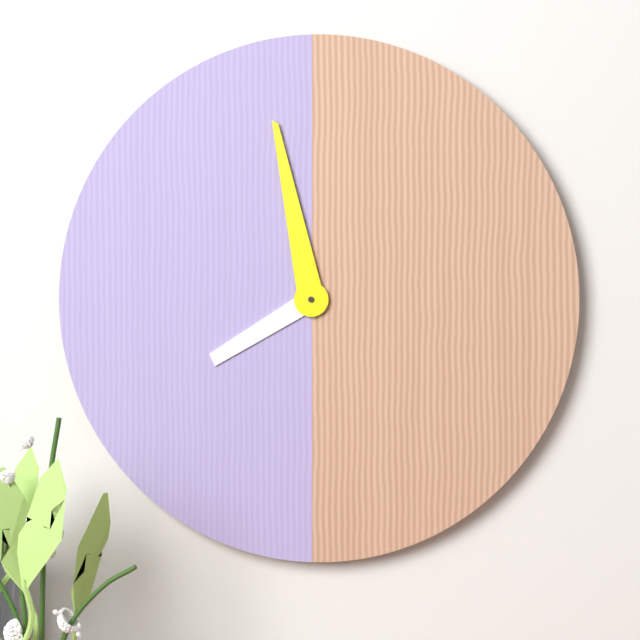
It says 7:58
